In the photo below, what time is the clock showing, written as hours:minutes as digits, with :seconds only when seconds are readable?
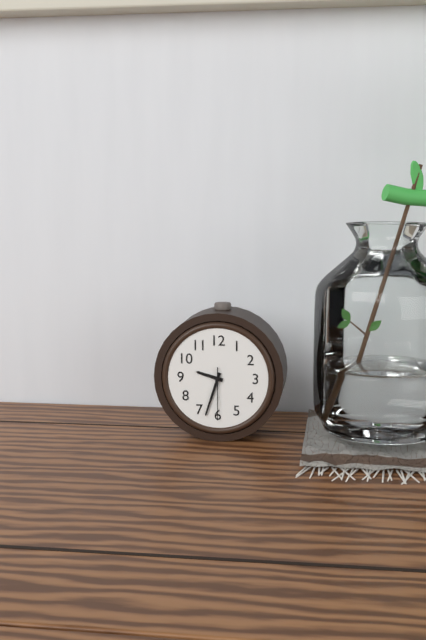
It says 9:33:30
